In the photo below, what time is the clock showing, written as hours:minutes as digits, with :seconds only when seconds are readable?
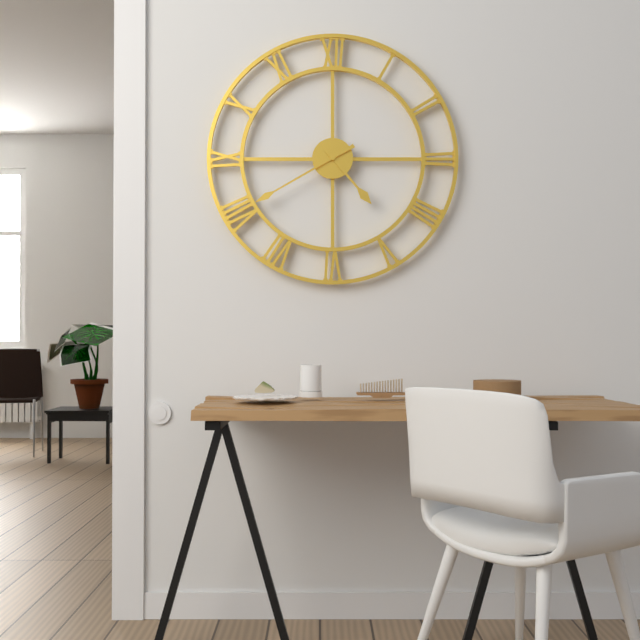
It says 4:40
